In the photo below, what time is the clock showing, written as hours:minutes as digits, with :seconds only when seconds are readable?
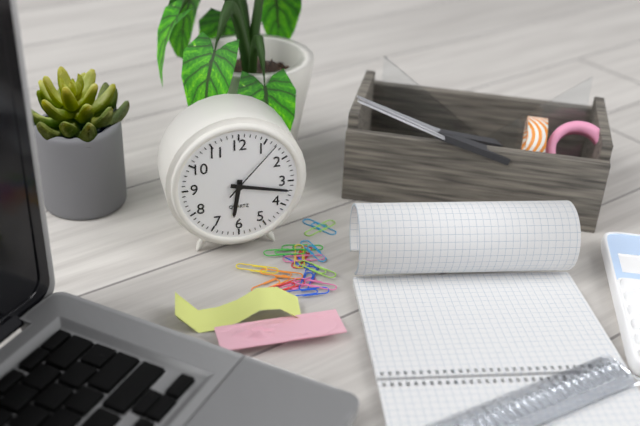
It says 6:17:07
